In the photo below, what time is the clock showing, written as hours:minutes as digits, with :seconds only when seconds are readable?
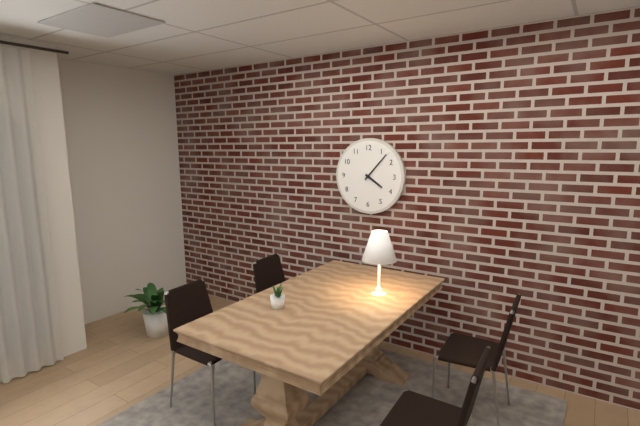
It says 4:07
